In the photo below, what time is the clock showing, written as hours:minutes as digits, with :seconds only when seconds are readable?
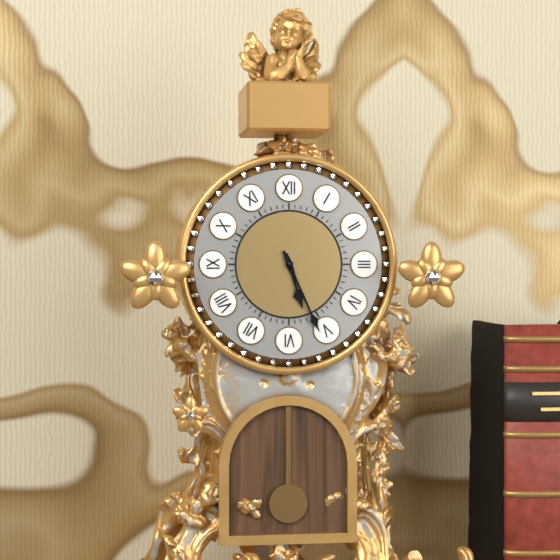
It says 5:26
